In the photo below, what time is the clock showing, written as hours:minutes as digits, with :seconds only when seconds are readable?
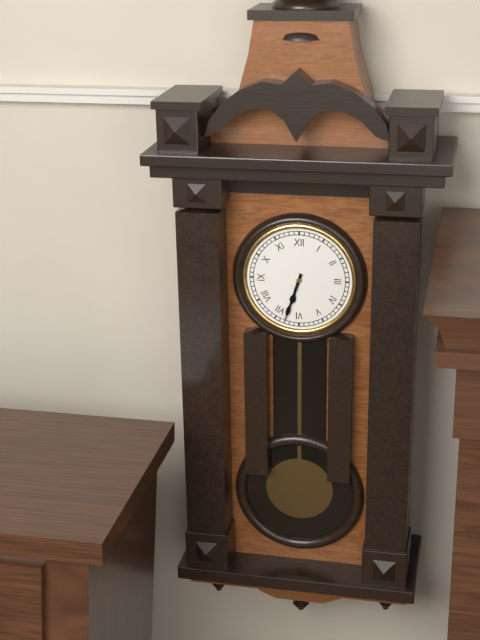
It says 6:33
